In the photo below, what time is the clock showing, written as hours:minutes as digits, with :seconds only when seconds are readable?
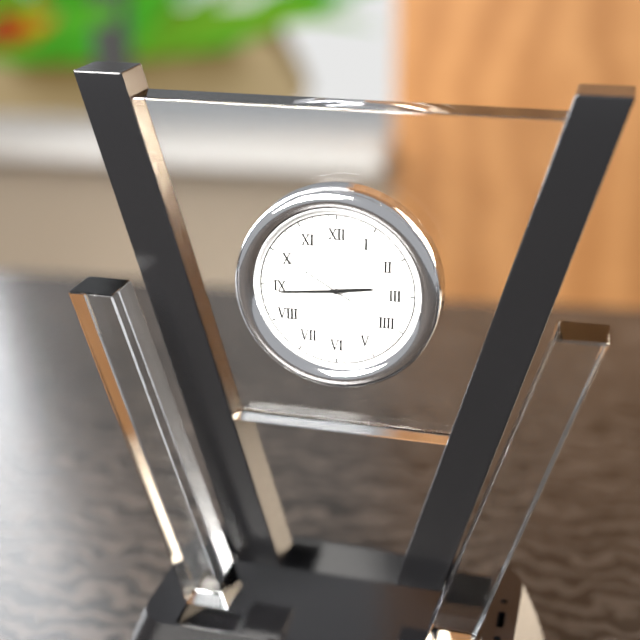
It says 2:44:50
